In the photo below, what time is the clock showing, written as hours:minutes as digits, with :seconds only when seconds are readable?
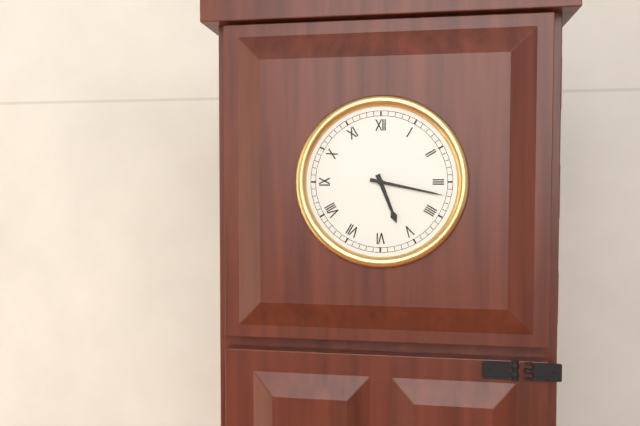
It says 5:17
